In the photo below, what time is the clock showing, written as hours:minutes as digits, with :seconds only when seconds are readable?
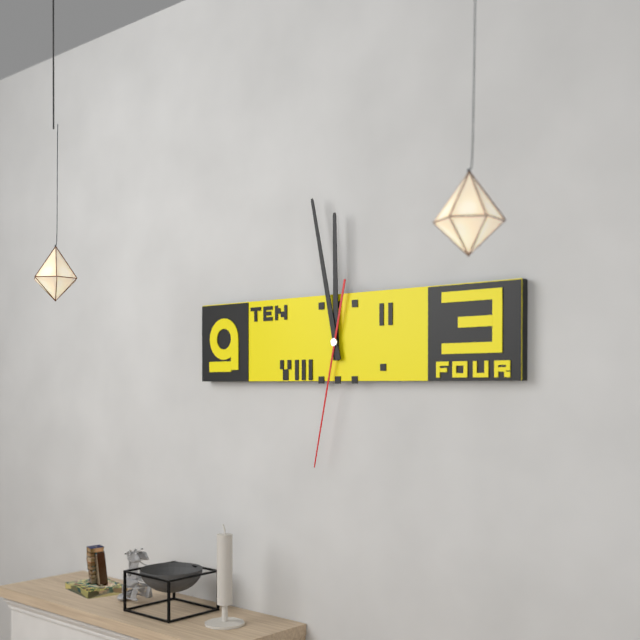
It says 11:58:32
